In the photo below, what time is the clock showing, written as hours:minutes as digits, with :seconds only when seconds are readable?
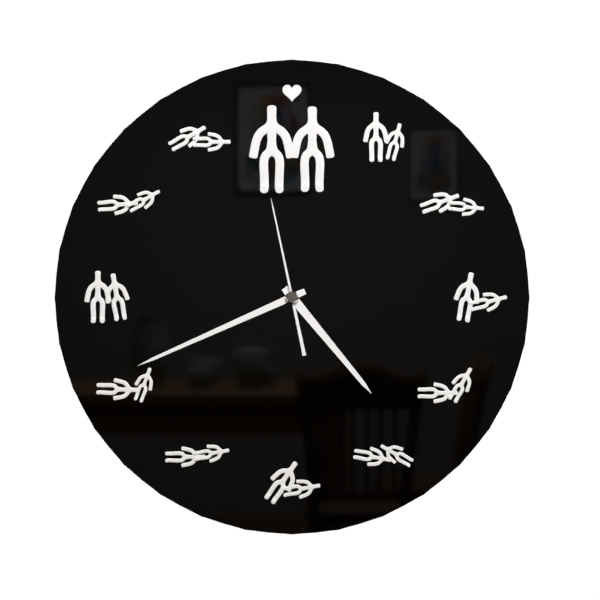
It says 4:41:58
